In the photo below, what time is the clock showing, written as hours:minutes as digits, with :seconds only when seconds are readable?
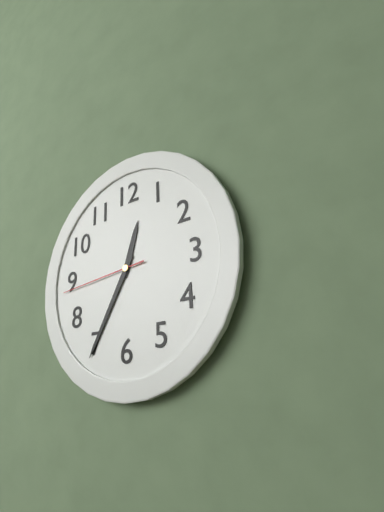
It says 12:35:44
